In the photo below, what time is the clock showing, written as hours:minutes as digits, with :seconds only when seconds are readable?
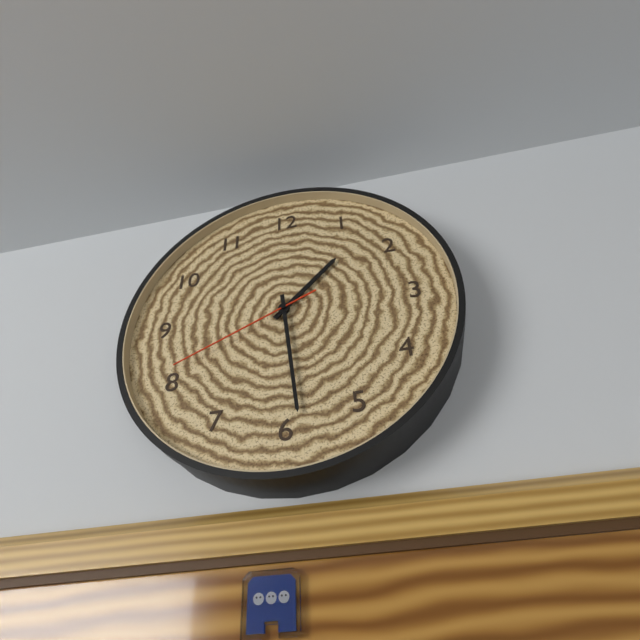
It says 1:29:41
